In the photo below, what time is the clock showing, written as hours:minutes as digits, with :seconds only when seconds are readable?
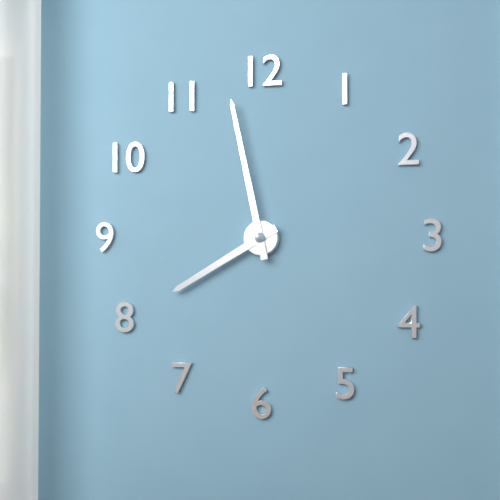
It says 7:58
